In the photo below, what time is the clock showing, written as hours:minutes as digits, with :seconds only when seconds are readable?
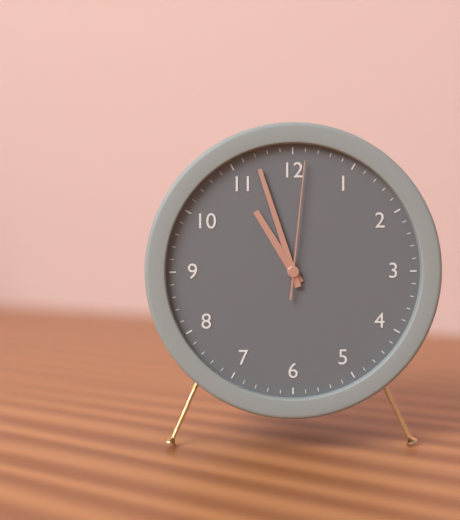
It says 10:57:01
